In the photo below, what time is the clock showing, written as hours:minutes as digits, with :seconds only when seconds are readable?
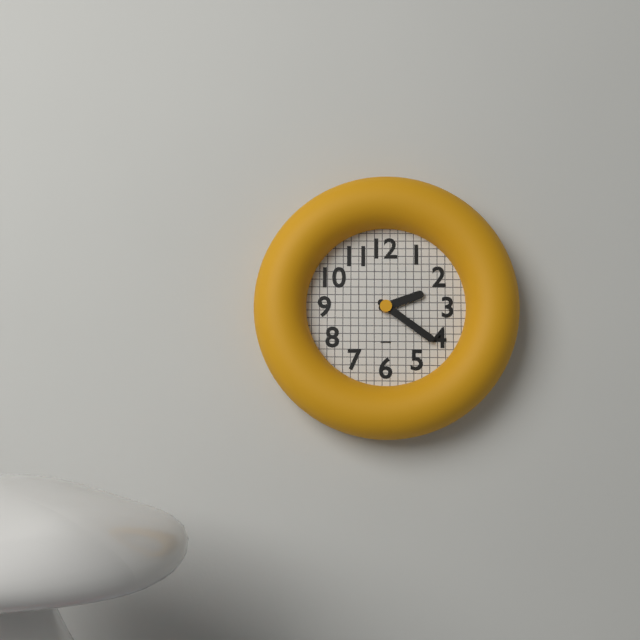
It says 2:21
